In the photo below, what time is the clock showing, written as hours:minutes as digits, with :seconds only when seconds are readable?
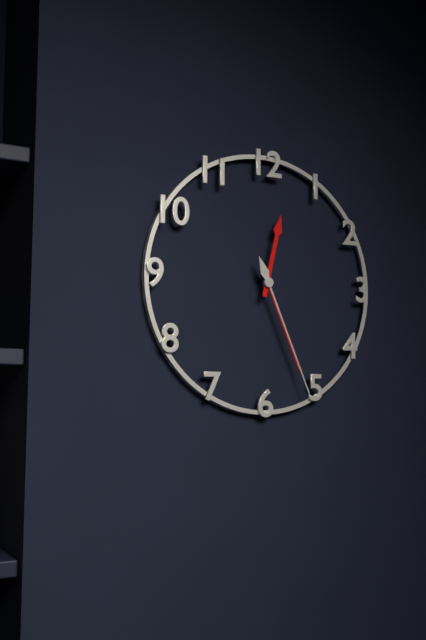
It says 12:26:26
